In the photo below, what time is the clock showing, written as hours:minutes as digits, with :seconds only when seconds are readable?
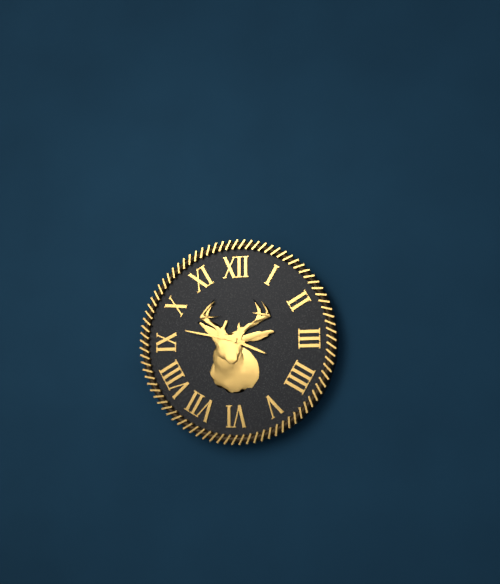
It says 3:47
